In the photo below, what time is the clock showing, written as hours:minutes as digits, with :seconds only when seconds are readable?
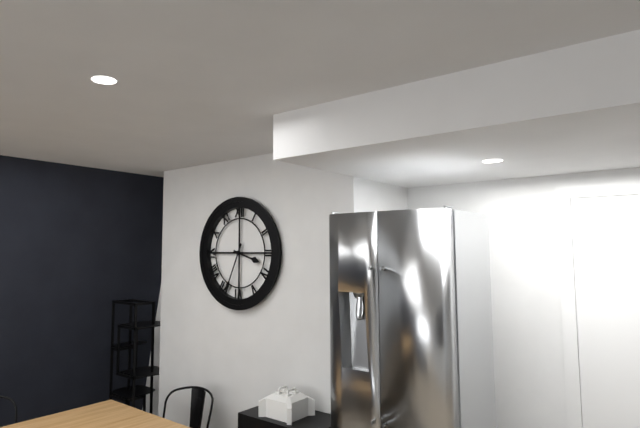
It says 3:34
